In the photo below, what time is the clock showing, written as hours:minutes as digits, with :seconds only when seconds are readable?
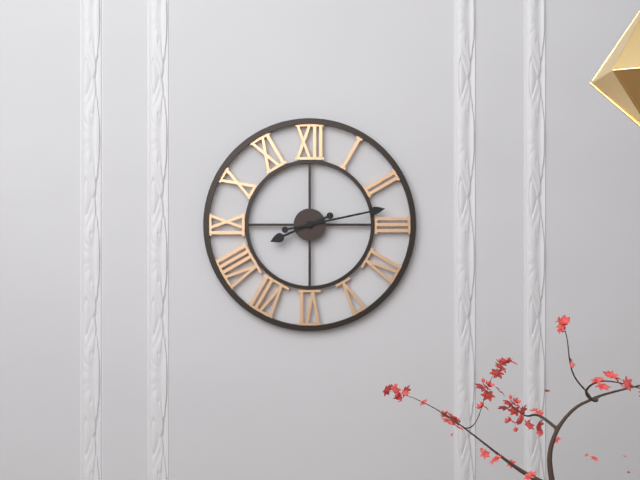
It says 8:13
